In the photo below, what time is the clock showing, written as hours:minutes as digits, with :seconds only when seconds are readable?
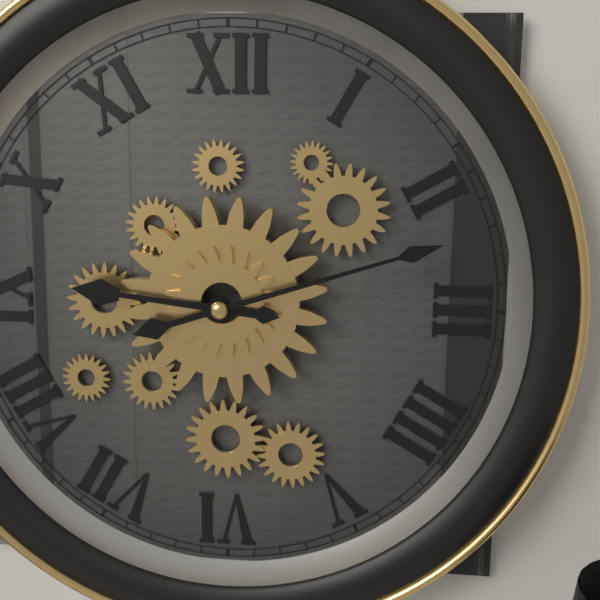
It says 9:12
